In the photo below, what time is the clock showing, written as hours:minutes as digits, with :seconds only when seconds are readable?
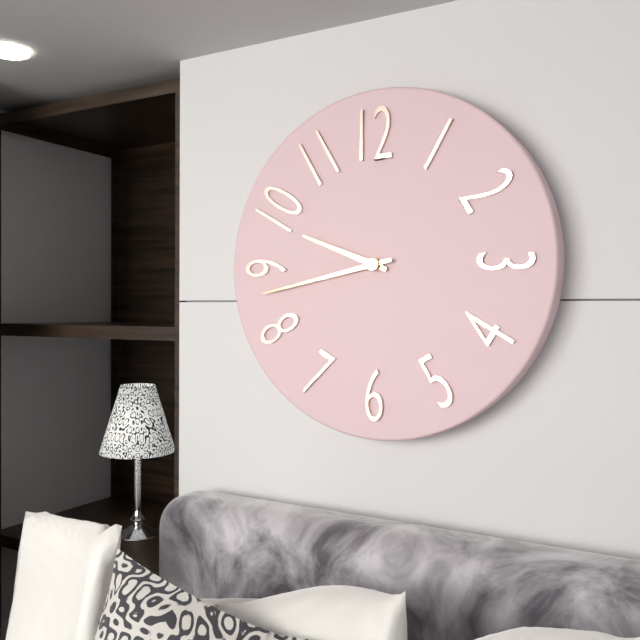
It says 9:43
